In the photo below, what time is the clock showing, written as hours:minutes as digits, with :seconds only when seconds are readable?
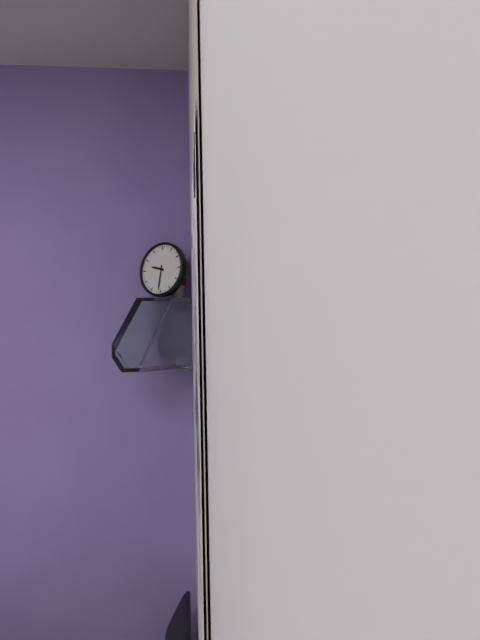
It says 9:31
